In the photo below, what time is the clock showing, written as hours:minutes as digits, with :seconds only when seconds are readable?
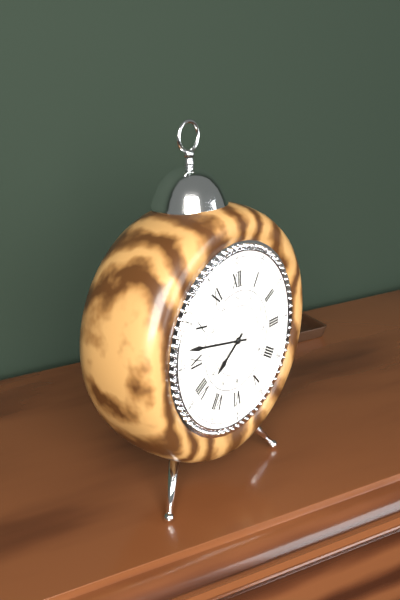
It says 7:47
